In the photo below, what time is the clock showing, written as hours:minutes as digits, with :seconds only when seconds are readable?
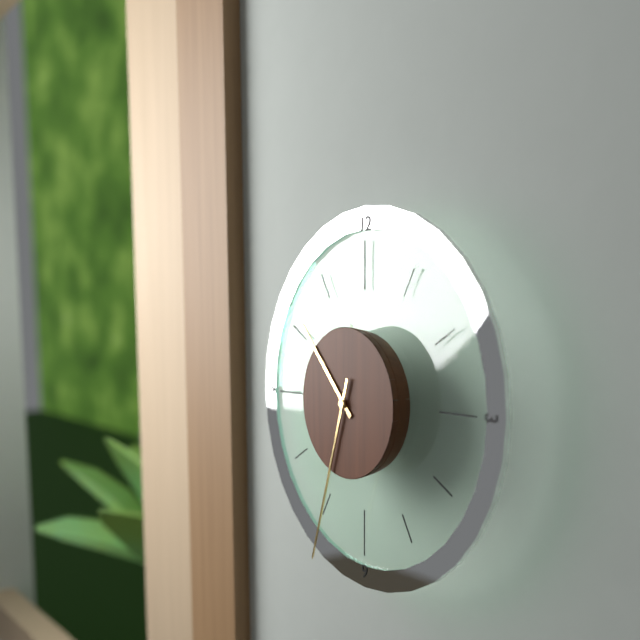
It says 10:33
